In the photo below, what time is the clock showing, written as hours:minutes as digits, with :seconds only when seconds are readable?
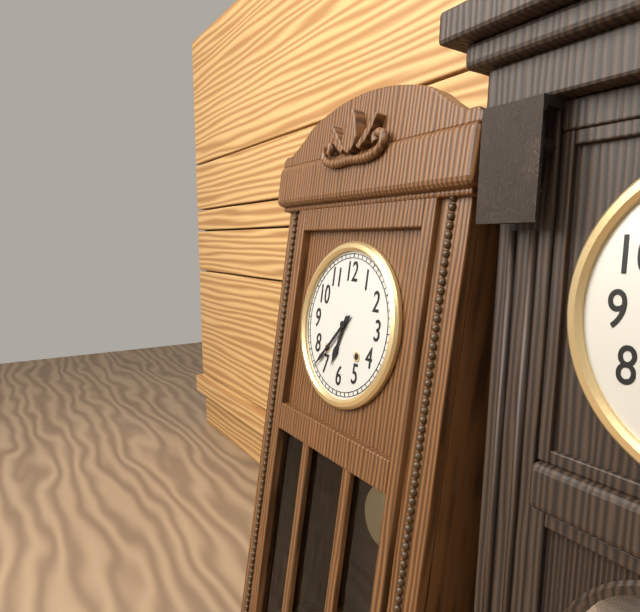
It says 6:37
